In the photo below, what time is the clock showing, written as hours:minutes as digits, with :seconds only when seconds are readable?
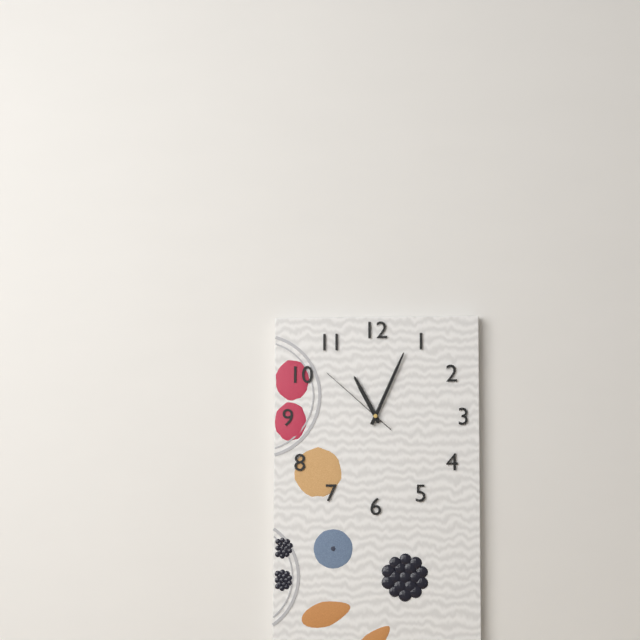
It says 11:04:52
